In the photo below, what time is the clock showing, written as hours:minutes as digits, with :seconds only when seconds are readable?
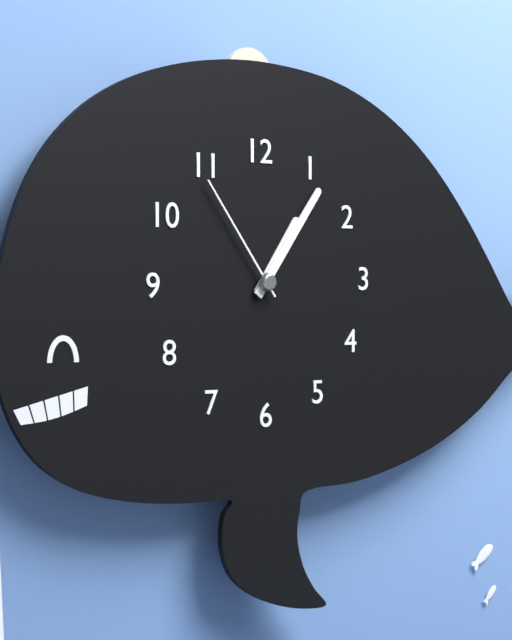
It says 1:06:54
